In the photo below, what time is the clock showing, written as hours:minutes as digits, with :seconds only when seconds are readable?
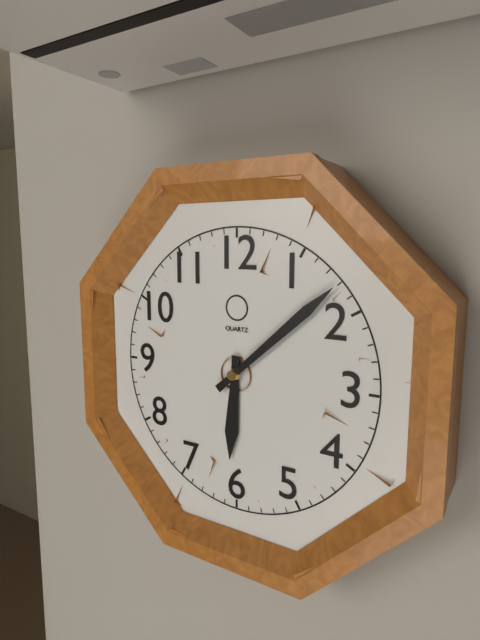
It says 6:08
